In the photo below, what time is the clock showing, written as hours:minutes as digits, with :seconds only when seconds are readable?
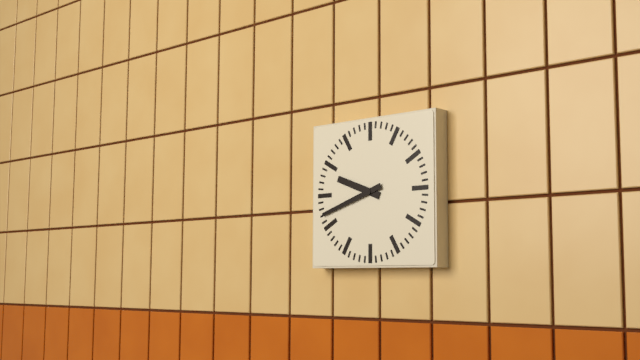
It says 9:42
